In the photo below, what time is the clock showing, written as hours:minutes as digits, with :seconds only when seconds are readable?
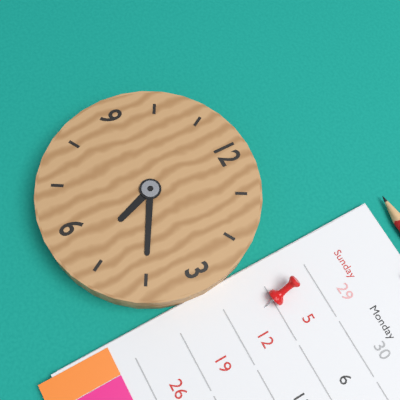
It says 5:20
